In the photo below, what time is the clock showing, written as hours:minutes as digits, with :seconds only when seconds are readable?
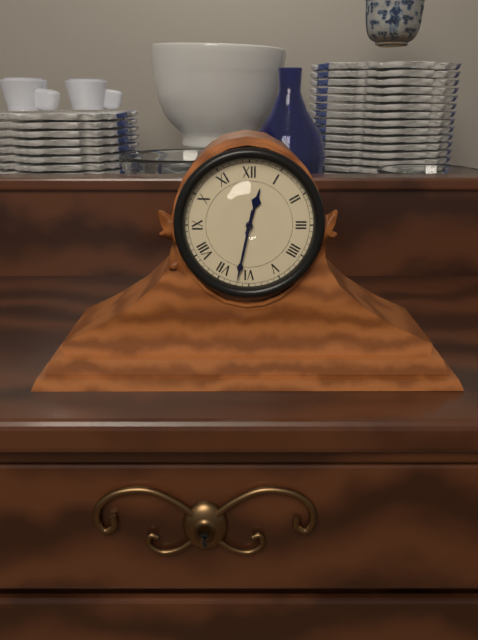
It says 12:32
